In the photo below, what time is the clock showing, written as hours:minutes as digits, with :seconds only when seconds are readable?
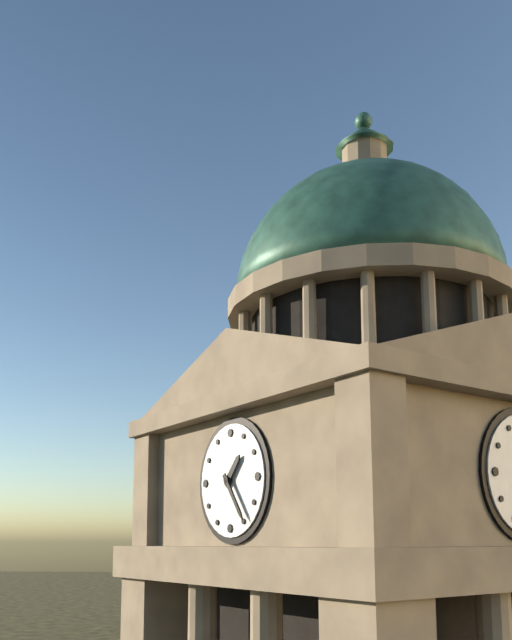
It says 1:24
